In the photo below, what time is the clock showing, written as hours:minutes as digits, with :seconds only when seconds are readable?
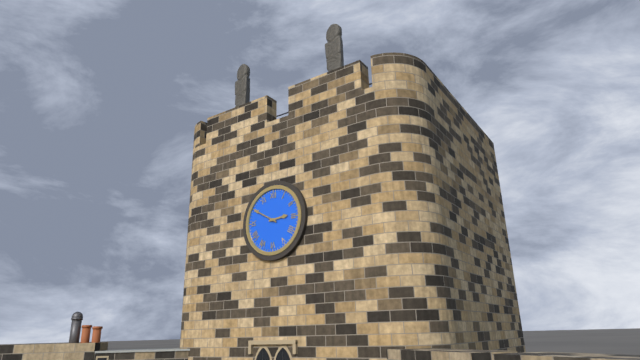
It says 2:50
